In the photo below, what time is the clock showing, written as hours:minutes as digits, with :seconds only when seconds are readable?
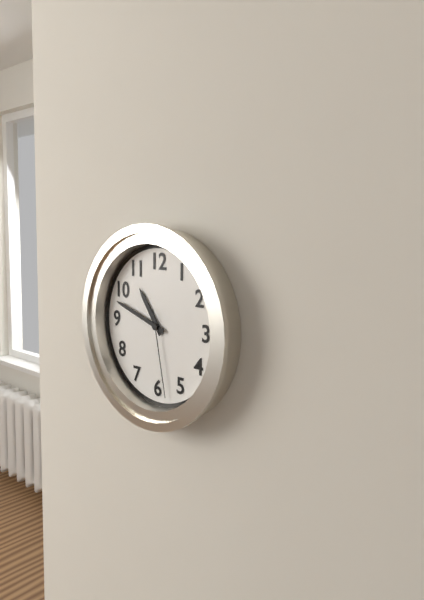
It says 10:48:28
